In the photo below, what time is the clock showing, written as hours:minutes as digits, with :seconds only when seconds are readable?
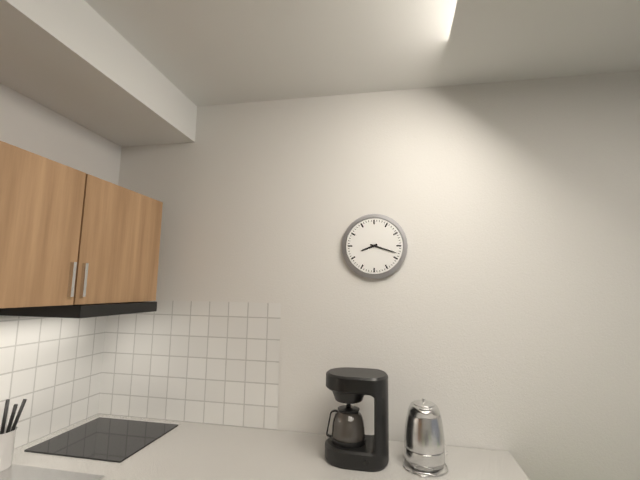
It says 8:18
